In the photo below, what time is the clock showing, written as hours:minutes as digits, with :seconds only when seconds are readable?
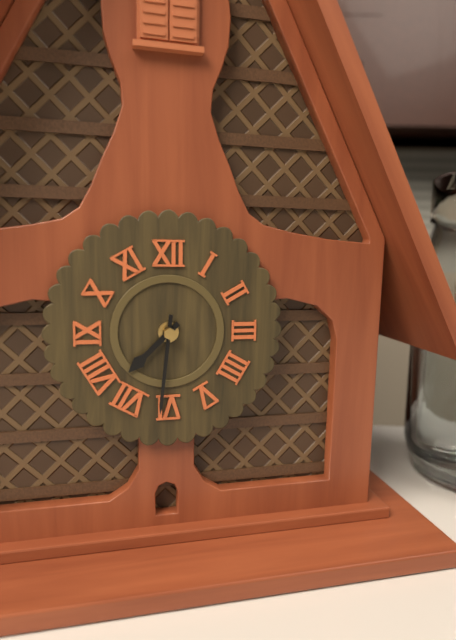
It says 7:31
